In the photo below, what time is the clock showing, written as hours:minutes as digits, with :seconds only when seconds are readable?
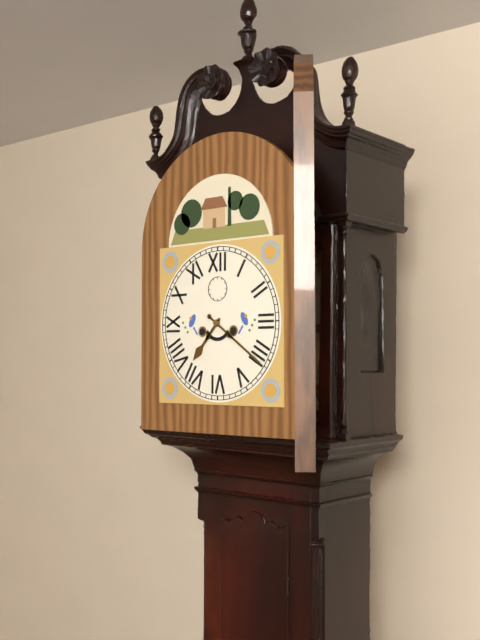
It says 7:21
